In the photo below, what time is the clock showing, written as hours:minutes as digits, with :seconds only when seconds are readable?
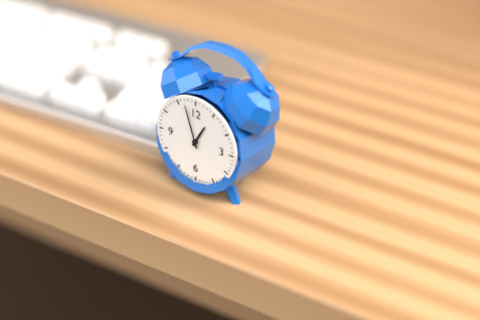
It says 12:57
